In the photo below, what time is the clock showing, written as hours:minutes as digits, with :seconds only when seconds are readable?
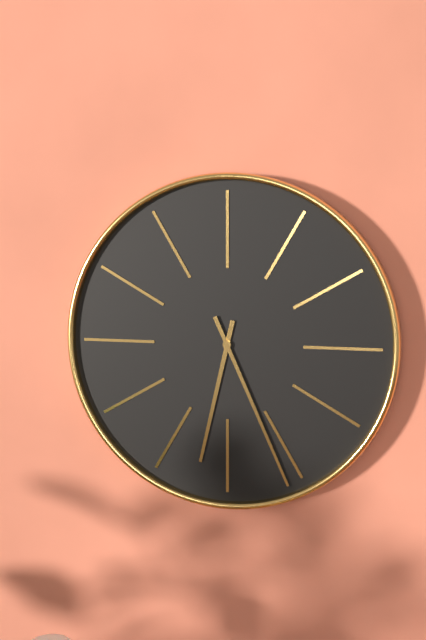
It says 6:26
